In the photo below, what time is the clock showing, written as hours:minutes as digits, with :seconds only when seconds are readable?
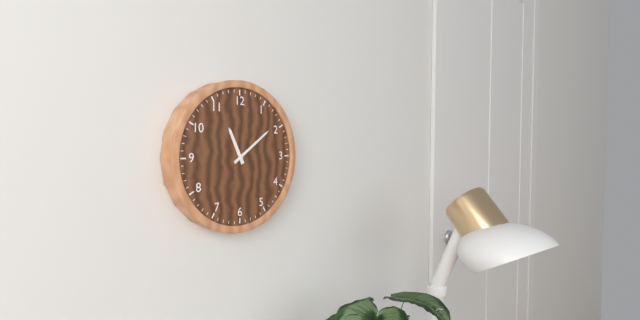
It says 11:09
